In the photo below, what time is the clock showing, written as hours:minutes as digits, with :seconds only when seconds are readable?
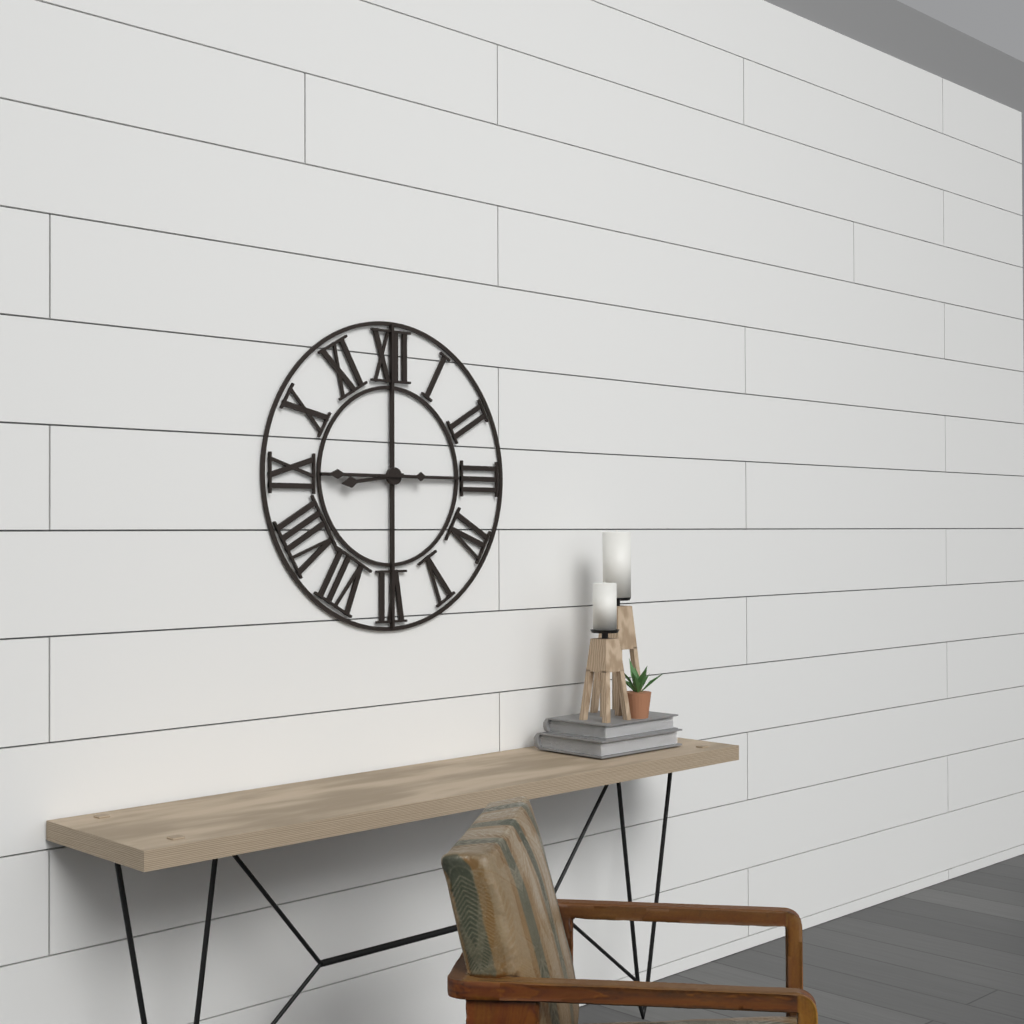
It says 8:45
